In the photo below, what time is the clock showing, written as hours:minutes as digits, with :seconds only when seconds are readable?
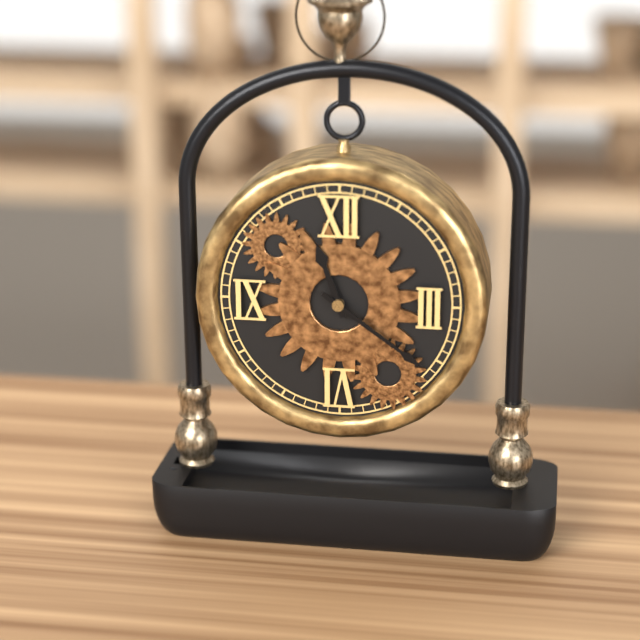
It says 11:21
